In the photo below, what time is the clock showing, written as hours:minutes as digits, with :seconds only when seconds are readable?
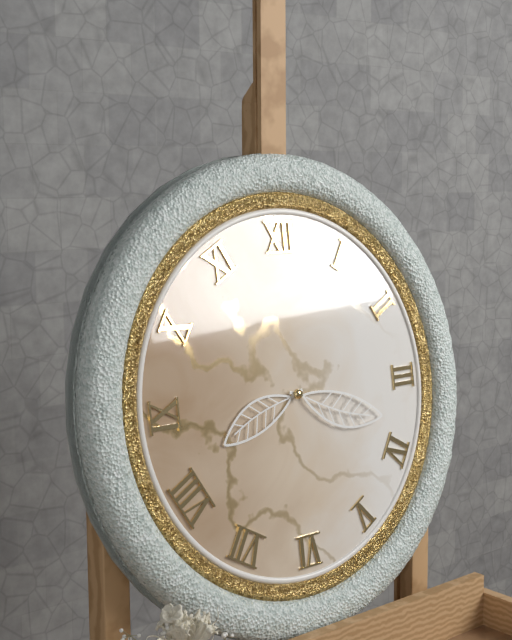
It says 8:18
